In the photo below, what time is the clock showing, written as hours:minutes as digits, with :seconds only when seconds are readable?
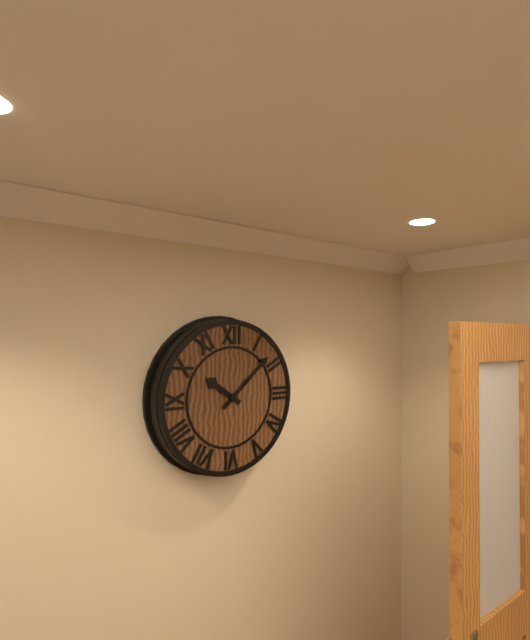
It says 10:08
